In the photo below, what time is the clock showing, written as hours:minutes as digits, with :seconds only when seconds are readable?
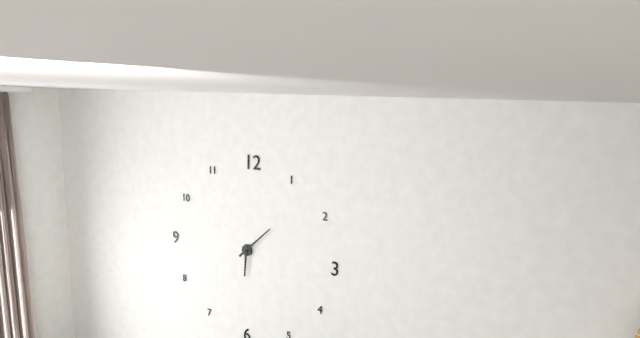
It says 6:08
